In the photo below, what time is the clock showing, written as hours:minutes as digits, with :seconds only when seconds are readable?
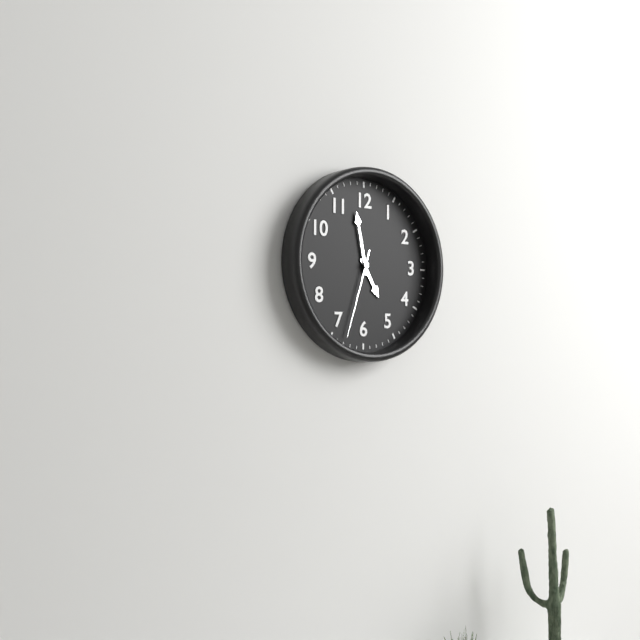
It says 4:58:33
